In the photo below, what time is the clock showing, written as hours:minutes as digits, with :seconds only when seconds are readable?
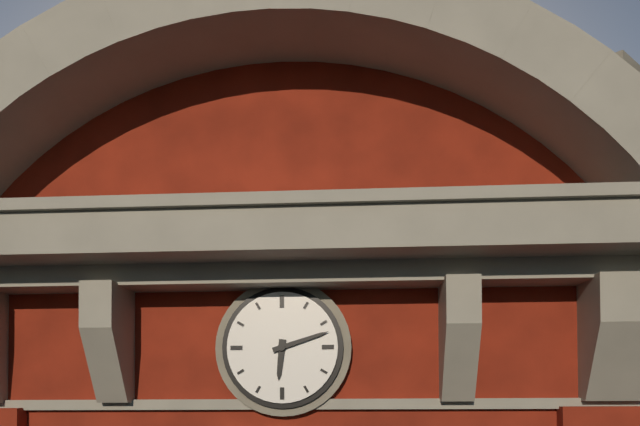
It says 6:12
